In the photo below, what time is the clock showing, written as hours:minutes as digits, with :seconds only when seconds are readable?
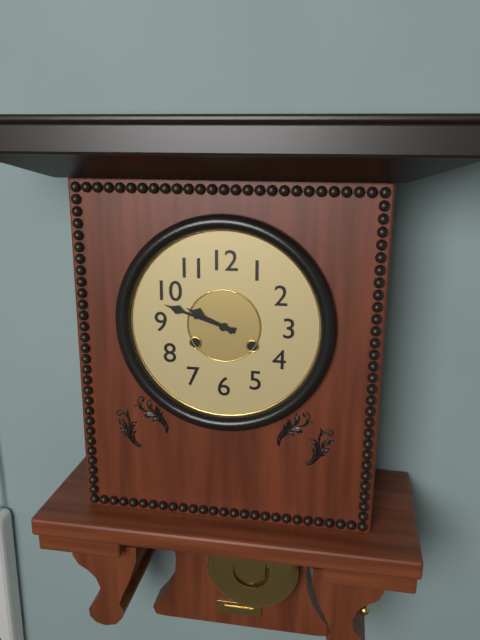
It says 9:48
